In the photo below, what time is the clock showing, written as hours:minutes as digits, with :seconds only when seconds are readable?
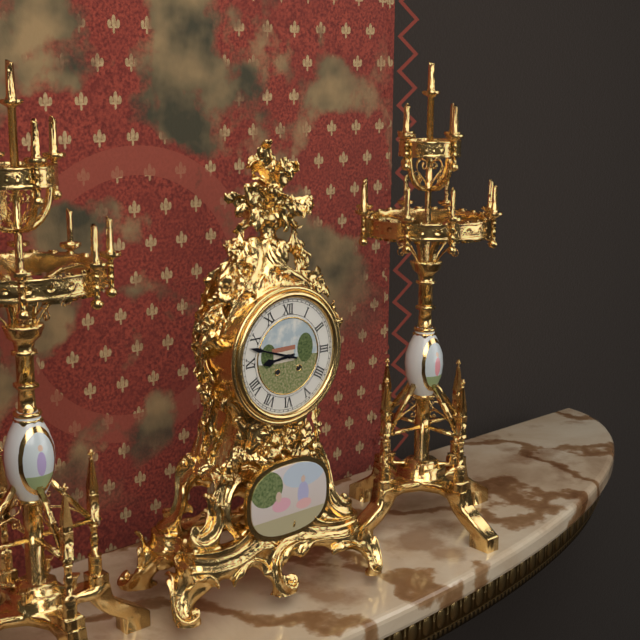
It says 8:48
